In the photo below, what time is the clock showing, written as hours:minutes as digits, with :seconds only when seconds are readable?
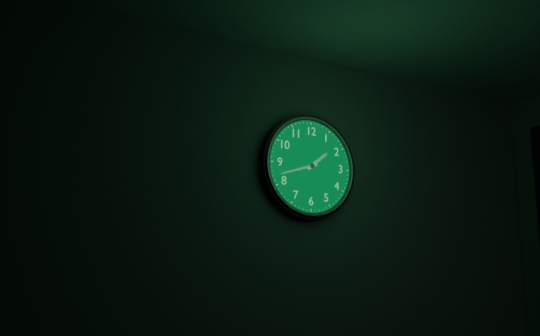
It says 1:42
